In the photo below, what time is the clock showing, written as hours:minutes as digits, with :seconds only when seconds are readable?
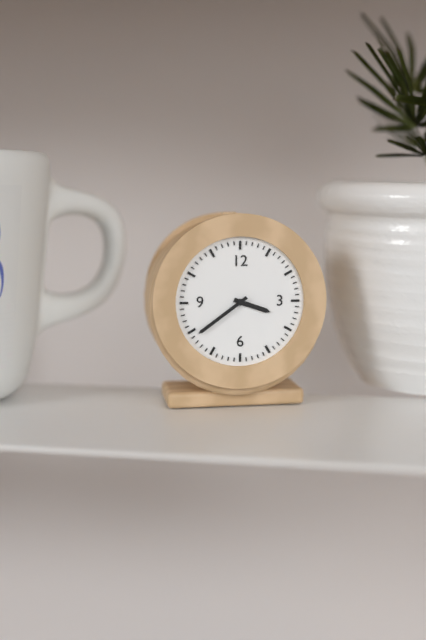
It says 3:39
